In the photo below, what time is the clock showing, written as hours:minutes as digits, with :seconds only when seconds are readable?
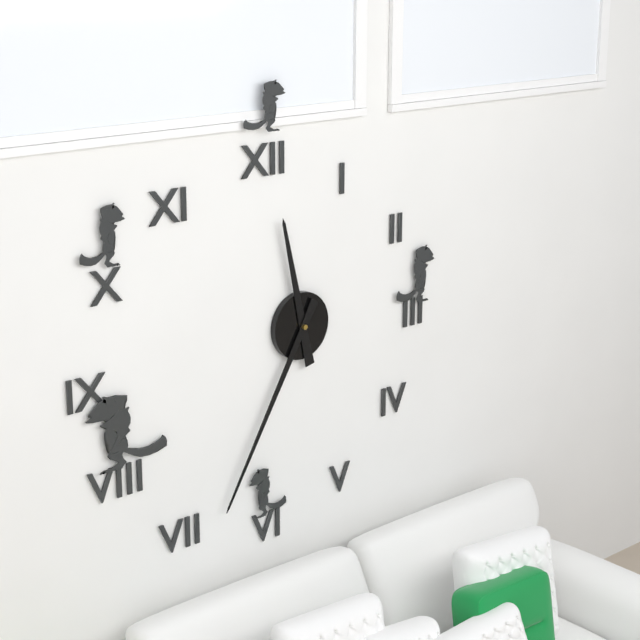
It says 11:35
